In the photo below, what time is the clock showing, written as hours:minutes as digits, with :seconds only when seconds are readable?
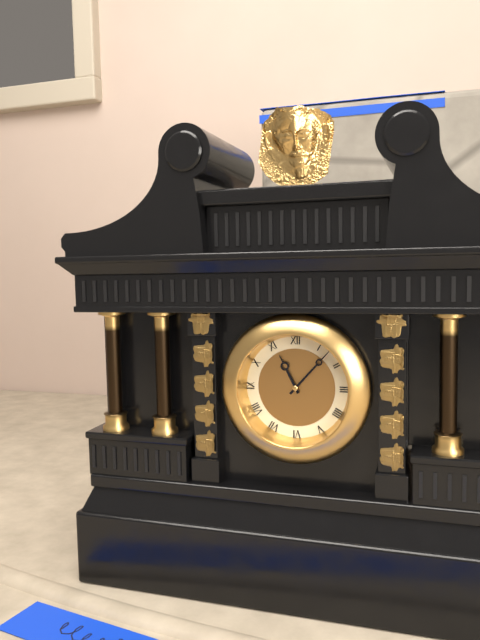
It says 11:07
